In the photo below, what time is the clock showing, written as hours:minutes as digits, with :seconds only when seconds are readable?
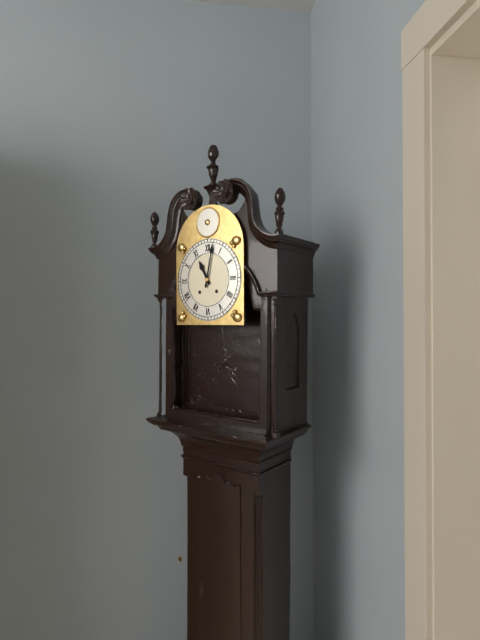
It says 11:02
